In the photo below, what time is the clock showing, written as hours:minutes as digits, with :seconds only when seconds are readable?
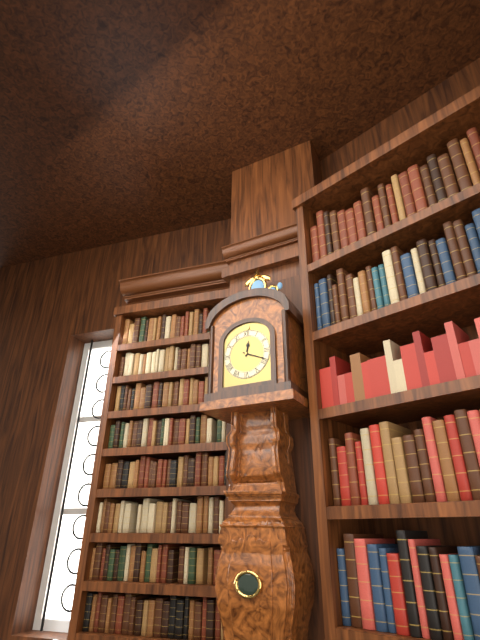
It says 12:19
